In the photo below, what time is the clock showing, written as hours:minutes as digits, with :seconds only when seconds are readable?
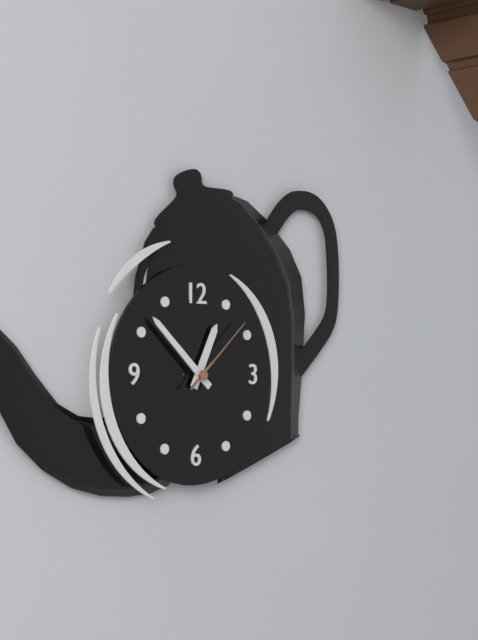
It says 12:52:08
